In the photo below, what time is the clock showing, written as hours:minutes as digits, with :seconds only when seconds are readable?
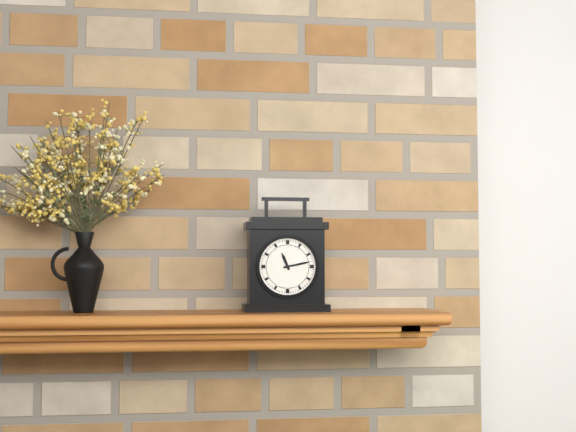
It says 11:13
